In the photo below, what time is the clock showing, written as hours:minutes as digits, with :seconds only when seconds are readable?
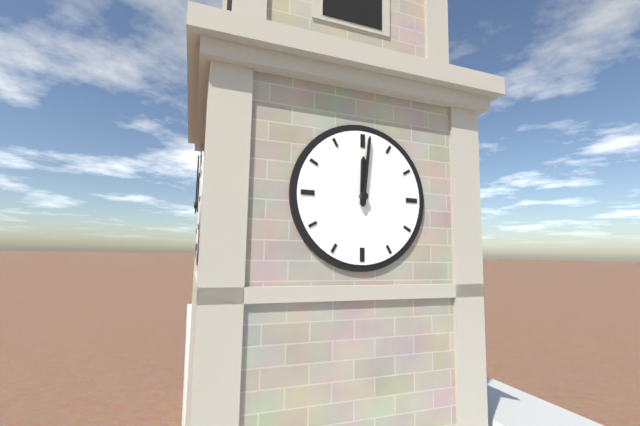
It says 12:01
